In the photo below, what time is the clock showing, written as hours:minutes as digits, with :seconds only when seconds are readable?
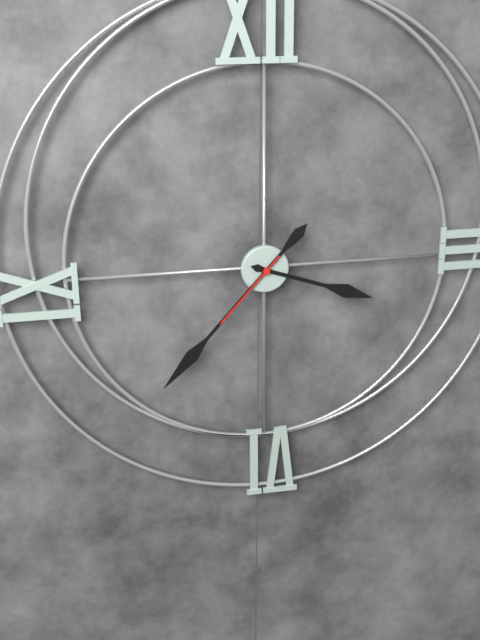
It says 3:37:37
